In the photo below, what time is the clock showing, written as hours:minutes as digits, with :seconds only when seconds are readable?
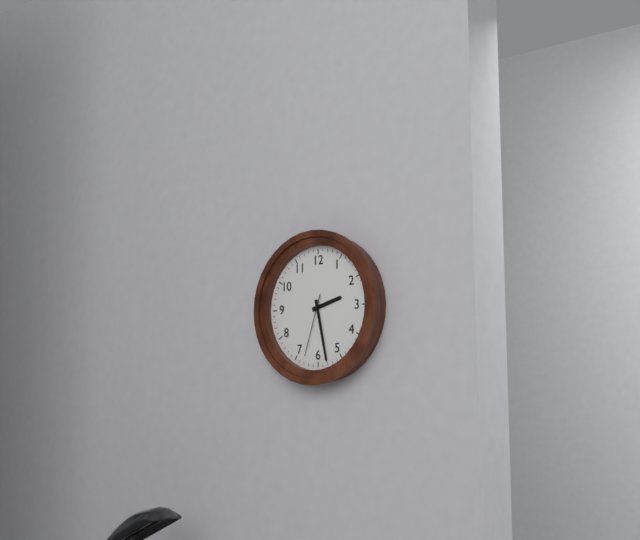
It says 2:28:33
